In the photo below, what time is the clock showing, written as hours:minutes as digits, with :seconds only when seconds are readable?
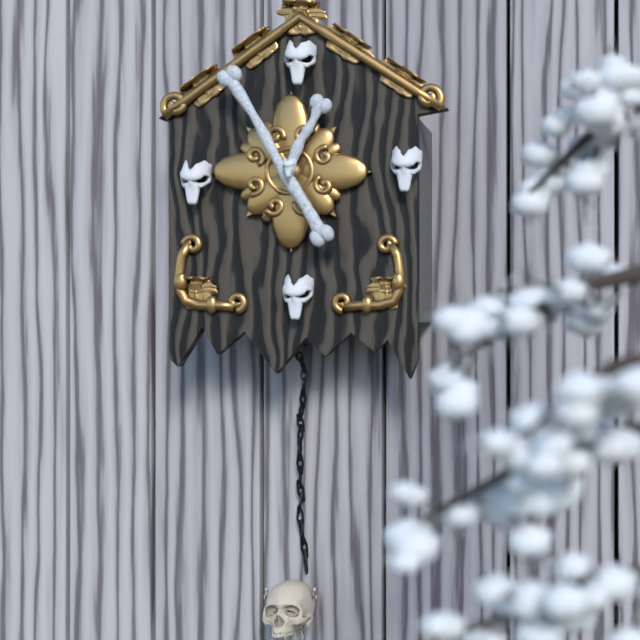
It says 12:55
